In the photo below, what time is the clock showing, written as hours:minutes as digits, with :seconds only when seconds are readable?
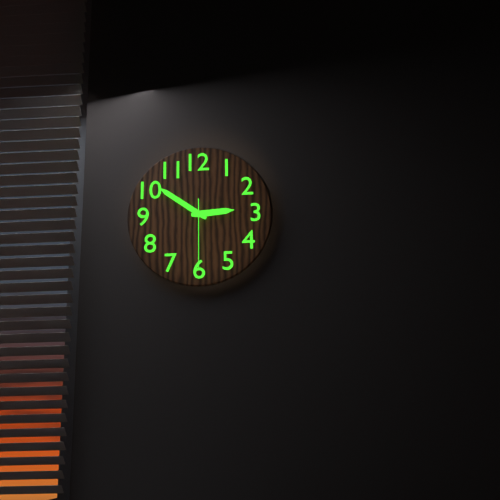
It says 2:51:30
